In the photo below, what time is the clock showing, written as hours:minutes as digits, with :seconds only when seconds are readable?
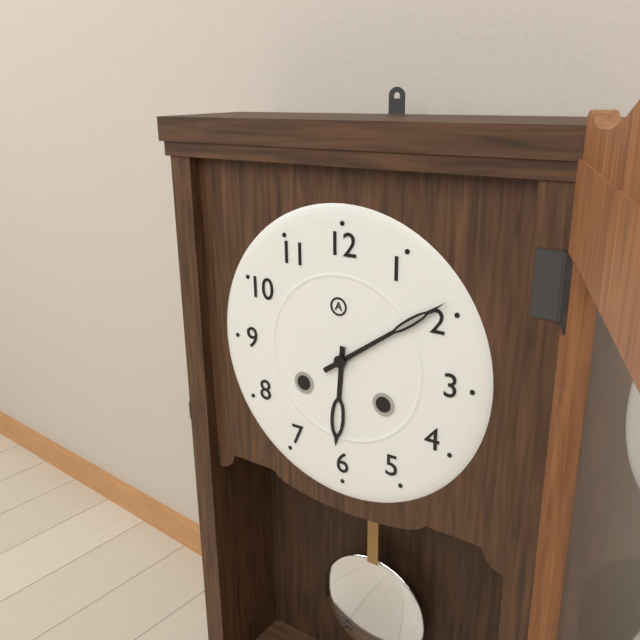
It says 6:09
